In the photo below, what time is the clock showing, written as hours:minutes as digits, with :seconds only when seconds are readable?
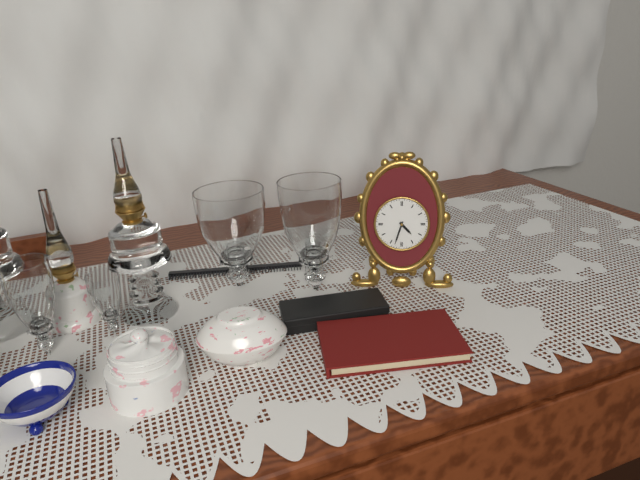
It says 4:33
